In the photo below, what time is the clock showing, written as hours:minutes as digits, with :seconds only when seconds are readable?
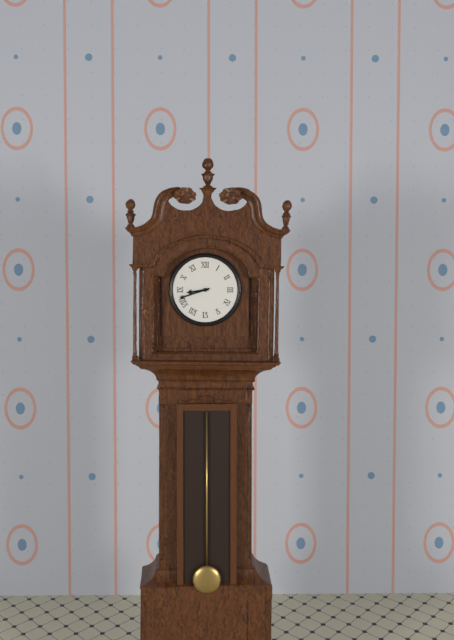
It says 8:42
